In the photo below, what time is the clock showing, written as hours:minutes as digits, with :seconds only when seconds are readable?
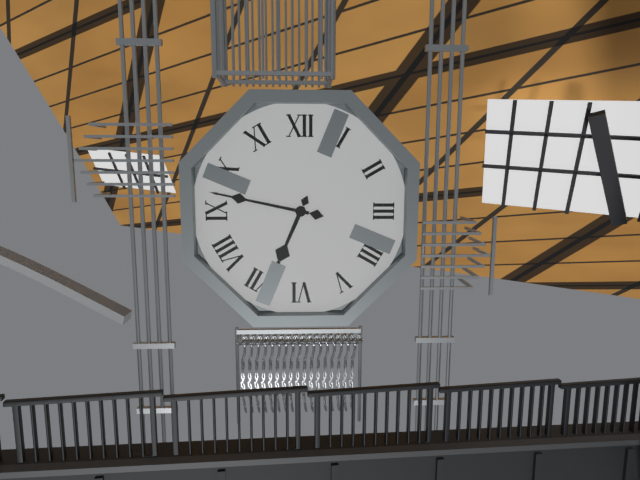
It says 6:47
